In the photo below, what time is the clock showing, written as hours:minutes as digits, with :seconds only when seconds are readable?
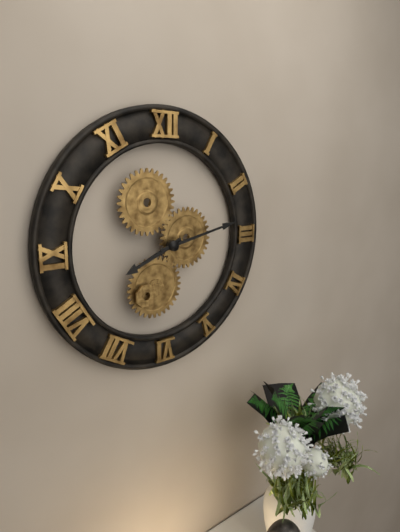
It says 8:13
